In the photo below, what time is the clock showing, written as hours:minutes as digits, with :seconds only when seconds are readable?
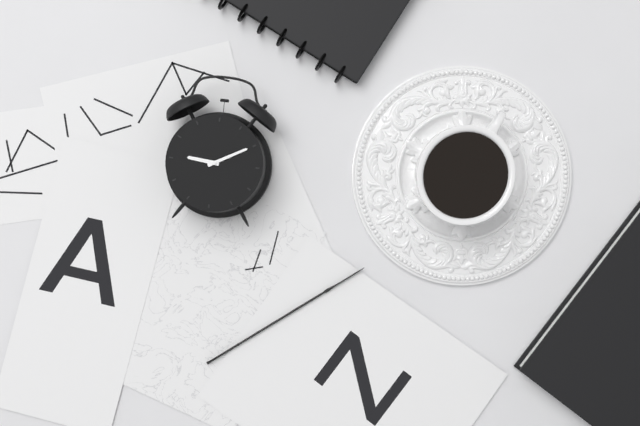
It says 9:10
